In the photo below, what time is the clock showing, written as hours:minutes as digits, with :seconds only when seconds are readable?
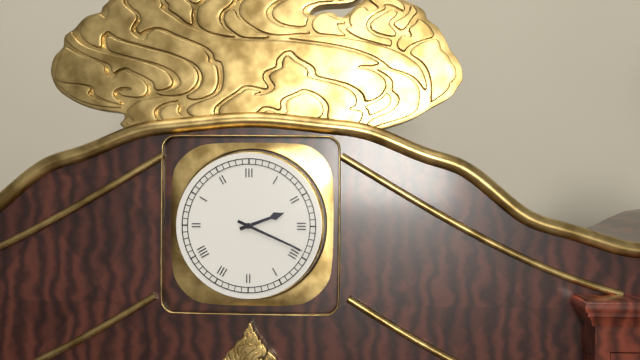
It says 2:19
